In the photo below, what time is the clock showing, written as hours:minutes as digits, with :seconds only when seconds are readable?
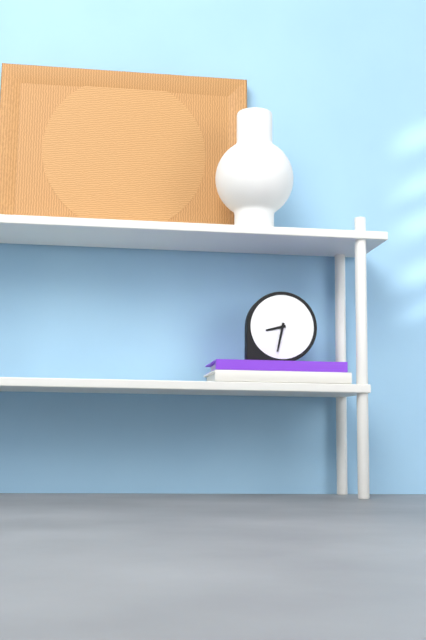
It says 8:32
